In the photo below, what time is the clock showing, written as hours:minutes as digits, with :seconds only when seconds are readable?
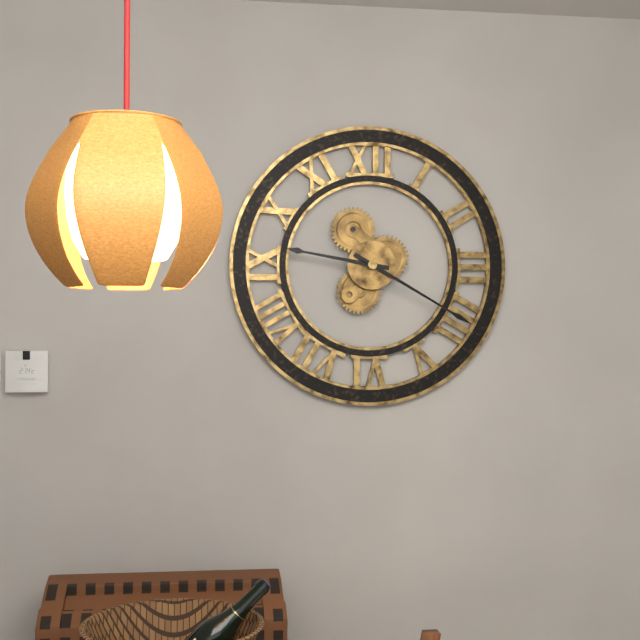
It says 9:20
